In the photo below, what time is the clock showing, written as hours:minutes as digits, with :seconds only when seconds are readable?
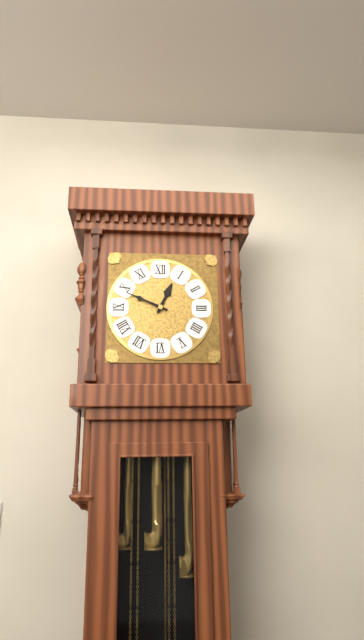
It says 12:49
